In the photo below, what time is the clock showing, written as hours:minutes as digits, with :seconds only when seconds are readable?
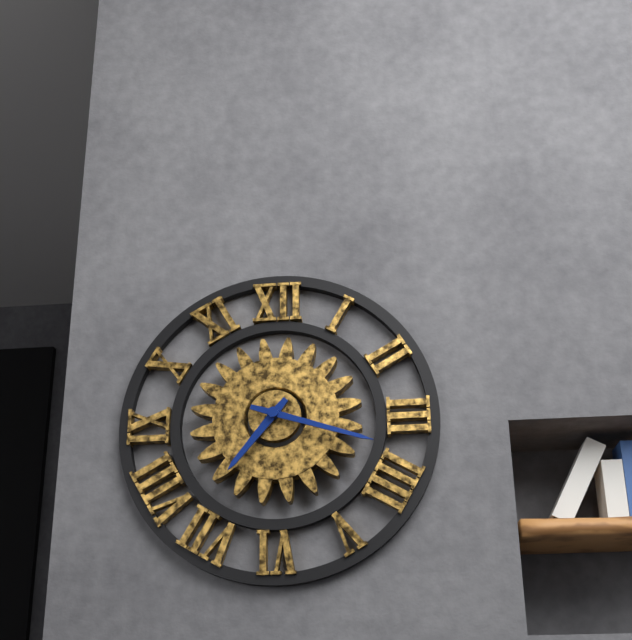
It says 7:18
